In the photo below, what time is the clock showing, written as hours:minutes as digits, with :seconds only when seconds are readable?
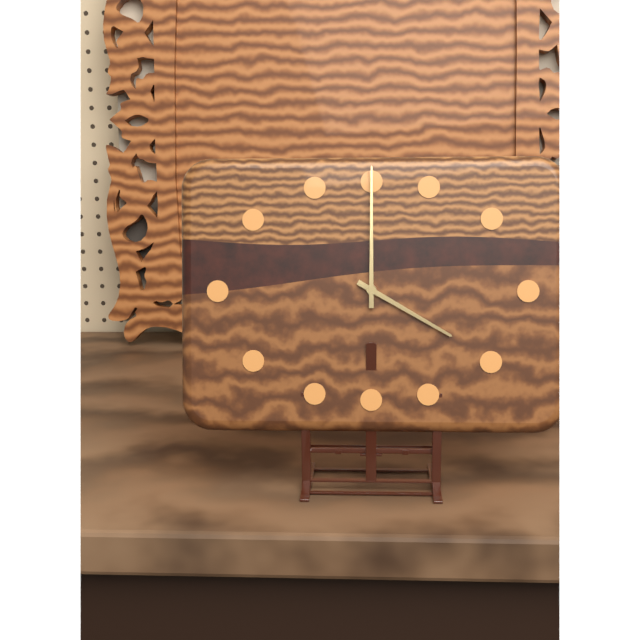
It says 4:00
